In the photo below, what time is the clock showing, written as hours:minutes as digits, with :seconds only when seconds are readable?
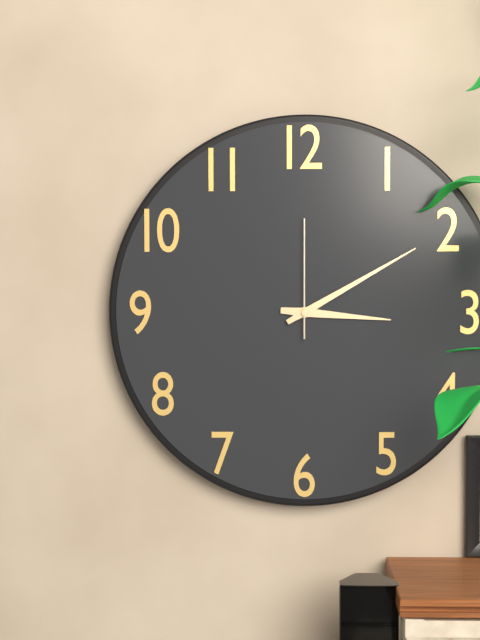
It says 3:10:00
